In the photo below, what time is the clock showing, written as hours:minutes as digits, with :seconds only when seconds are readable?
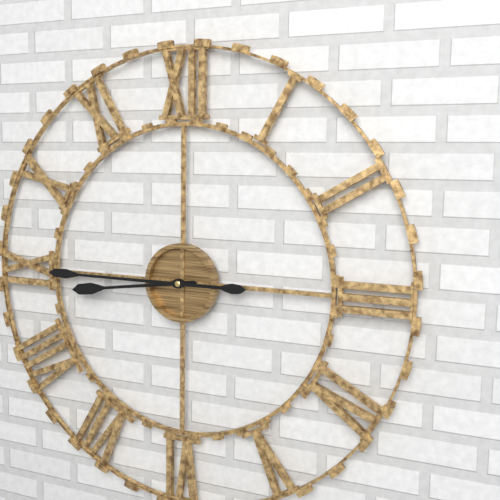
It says 8:45
